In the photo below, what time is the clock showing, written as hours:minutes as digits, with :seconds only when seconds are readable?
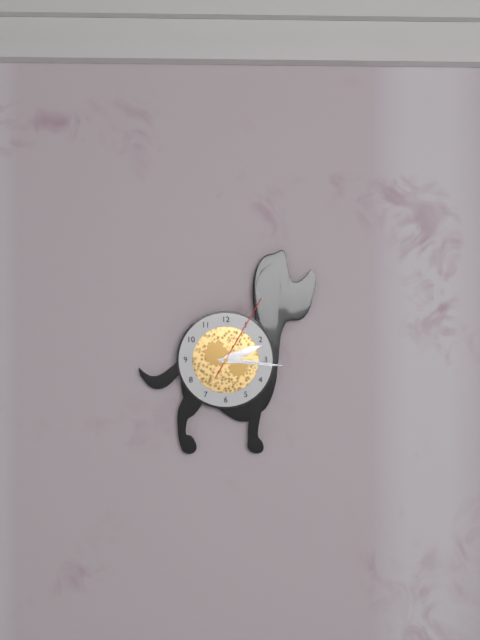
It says 2:16:05
